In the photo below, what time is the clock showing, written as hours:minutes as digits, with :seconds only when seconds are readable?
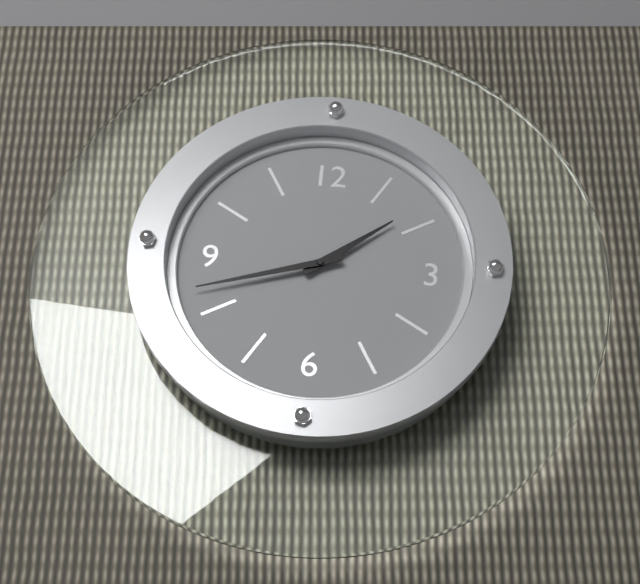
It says 1:42
